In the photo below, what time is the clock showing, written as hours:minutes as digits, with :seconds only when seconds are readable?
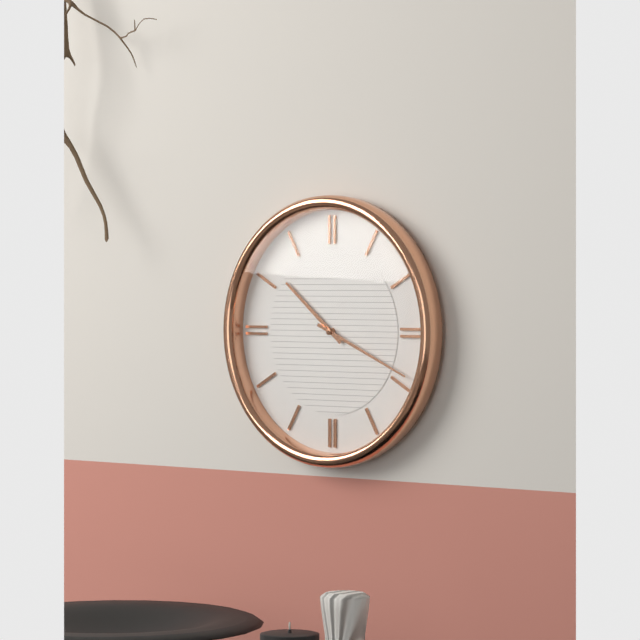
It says 10:19
